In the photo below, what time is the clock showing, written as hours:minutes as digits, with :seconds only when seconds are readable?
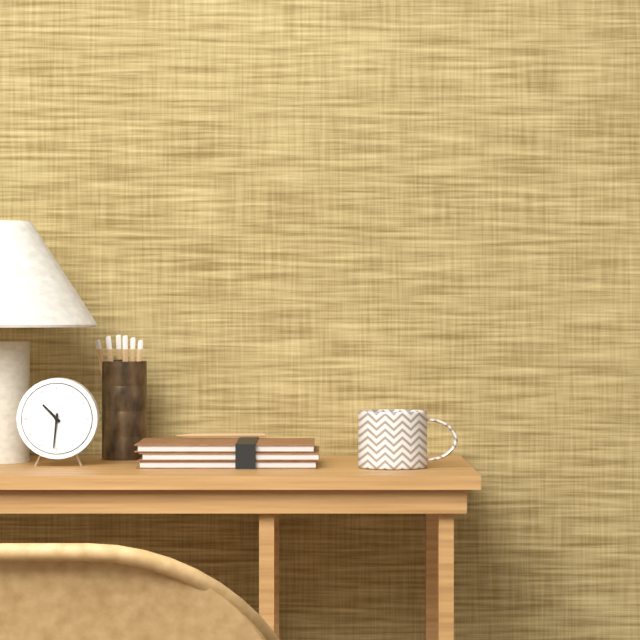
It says 10:31
